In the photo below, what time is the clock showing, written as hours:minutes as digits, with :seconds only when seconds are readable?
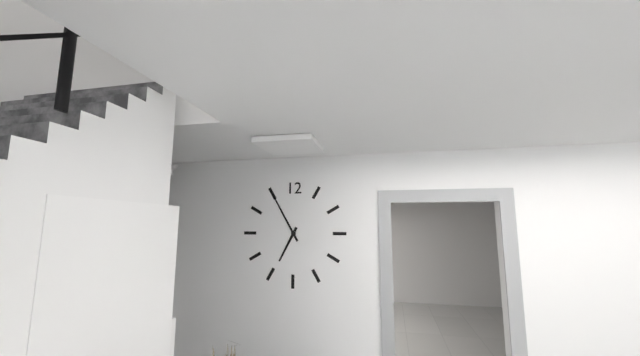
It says 6:55
